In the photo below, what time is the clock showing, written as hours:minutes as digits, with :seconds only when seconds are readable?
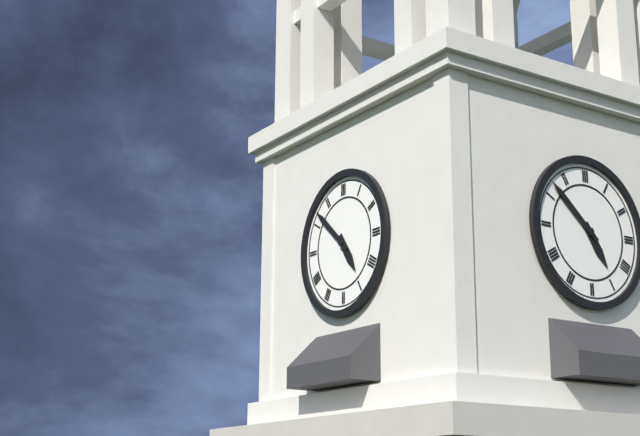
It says 4:52
